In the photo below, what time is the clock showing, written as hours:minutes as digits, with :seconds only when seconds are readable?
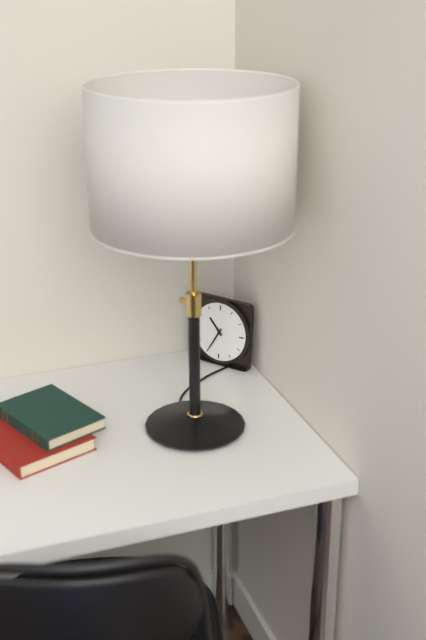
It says 10:35
